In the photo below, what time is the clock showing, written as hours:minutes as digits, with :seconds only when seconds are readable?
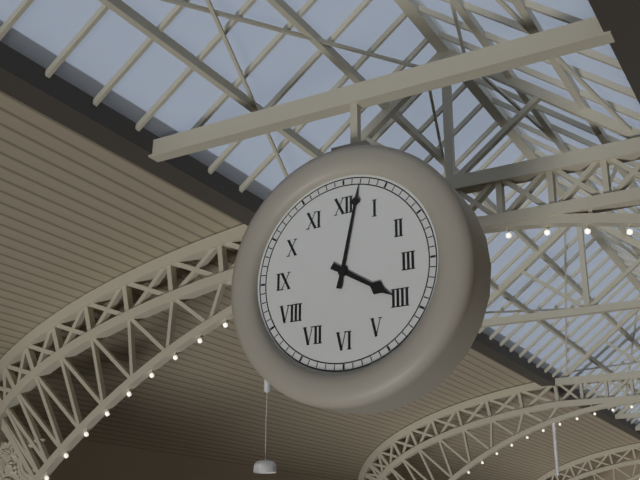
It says 4:02
